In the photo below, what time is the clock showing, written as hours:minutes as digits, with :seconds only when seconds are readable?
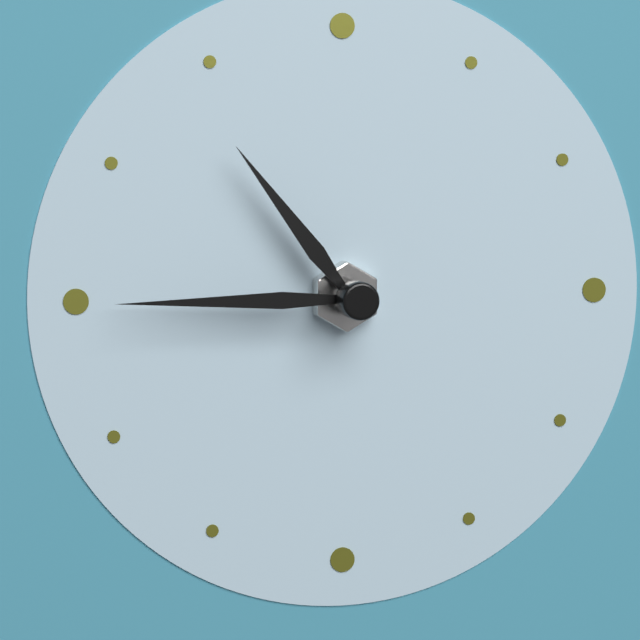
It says 10:45
